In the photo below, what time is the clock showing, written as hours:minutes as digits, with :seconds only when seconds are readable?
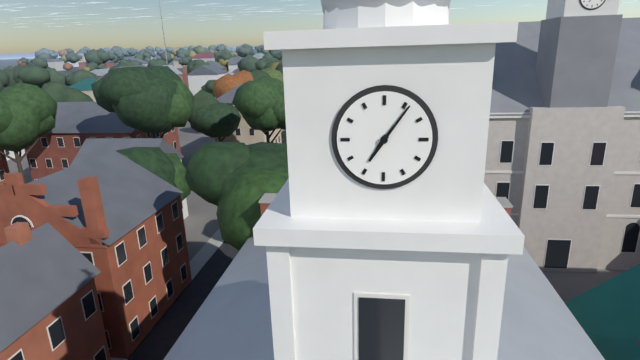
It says 7:06
